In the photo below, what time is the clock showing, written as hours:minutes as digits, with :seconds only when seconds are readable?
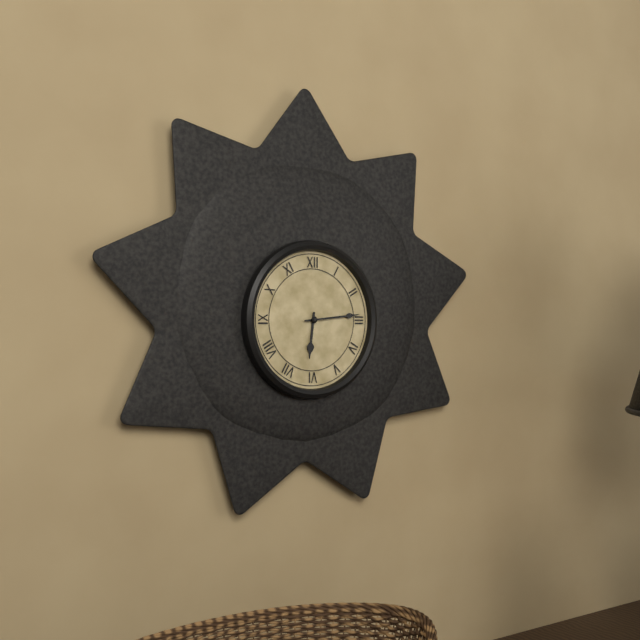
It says 6:14
